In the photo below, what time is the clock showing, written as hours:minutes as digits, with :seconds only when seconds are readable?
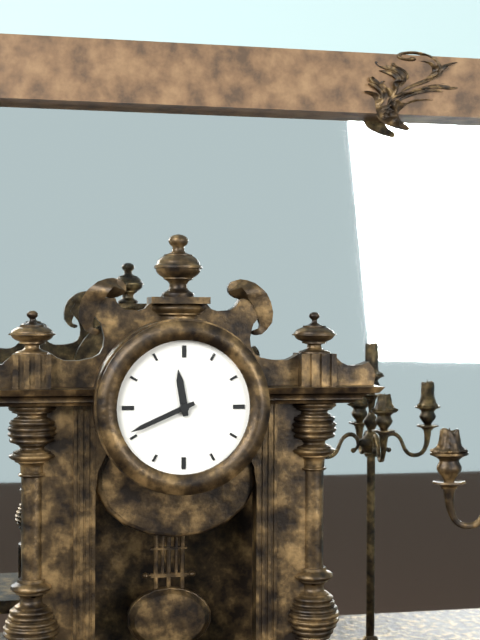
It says 11:41
